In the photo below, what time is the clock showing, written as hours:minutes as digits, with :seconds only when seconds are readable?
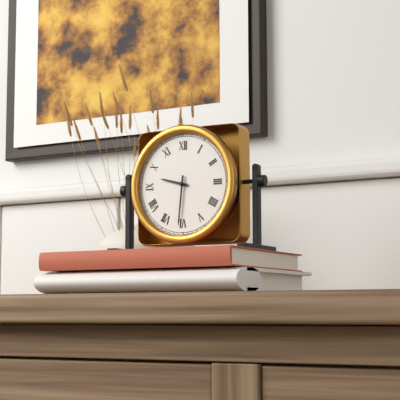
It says 9:31
